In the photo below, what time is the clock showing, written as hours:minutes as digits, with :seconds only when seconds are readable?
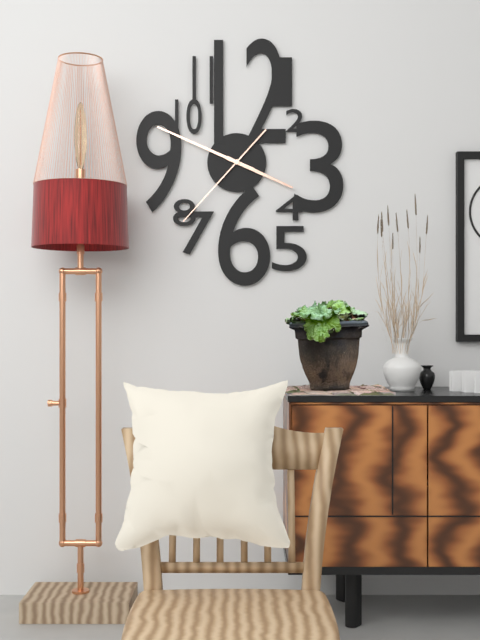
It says 3:49:37
